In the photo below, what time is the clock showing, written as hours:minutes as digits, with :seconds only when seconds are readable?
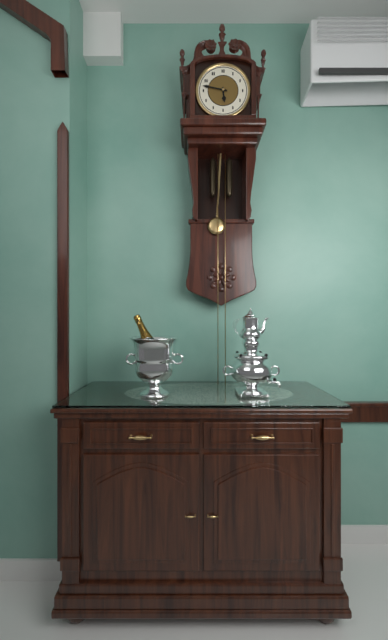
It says 5:47
